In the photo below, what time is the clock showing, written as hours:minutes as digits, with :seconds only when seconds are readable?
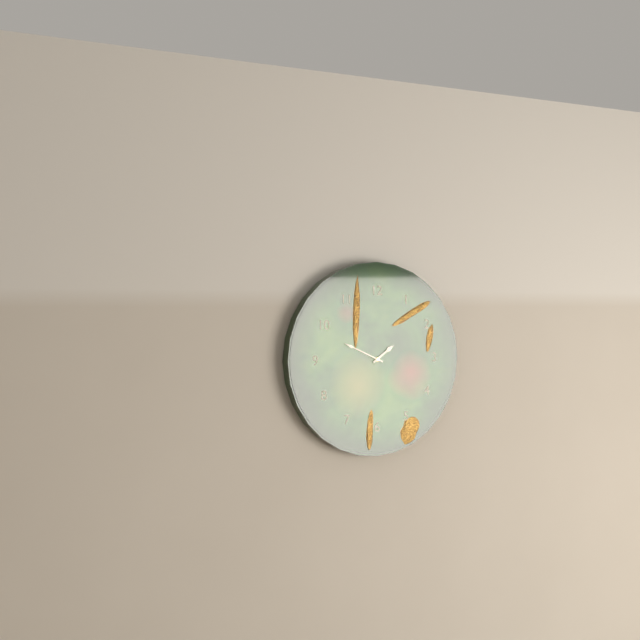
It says 1:49
